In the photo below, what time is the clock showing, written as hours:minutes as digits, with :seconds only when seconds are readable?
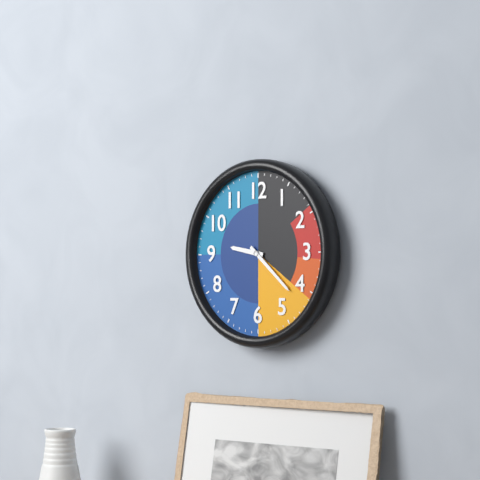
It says 9:22
